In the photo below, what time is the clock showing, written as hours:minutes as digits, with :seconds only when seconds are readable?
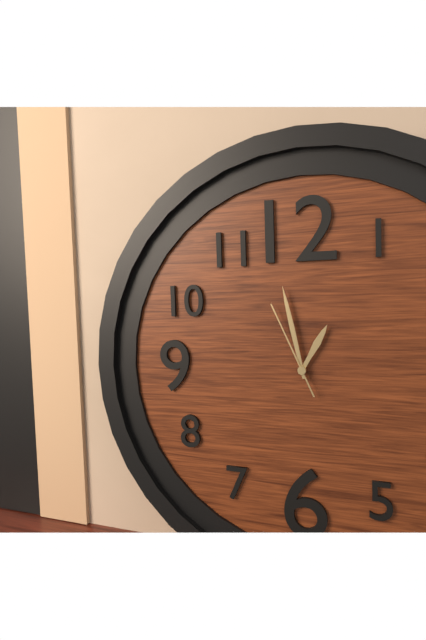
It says 12:58:56
